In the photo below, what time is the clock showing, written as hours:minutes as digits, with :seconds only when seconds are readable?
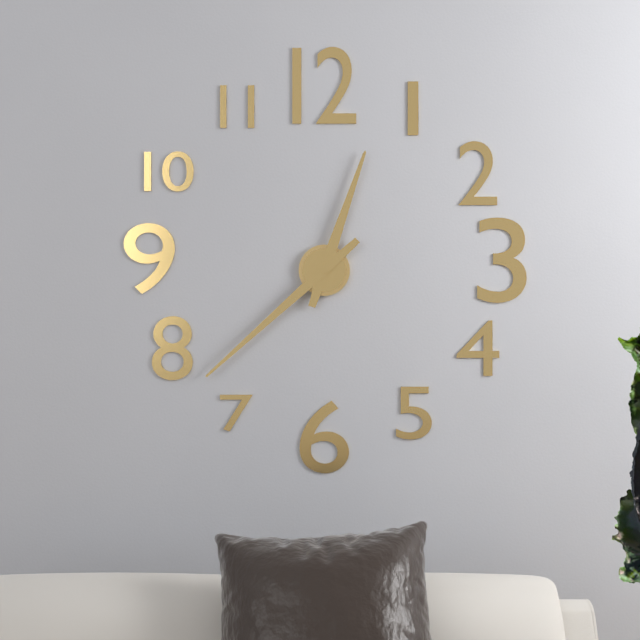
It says 12:38
